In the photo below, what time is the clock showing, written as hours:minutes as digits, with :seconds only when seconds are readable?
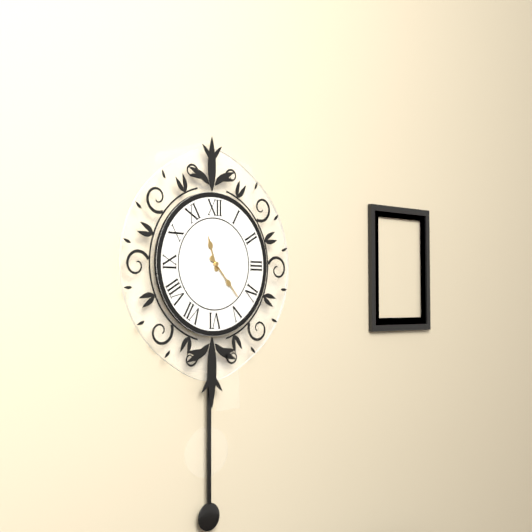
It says 11:23
